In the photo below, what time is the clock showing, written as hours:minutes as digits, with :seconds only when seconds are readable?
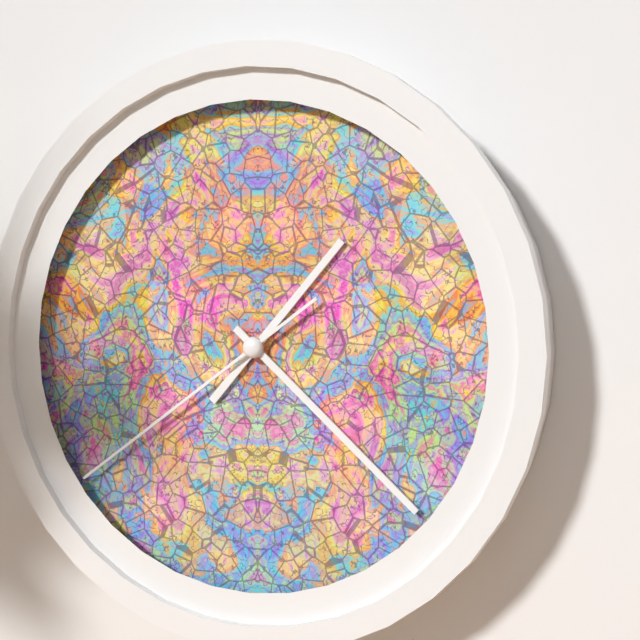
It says 1:22:39
